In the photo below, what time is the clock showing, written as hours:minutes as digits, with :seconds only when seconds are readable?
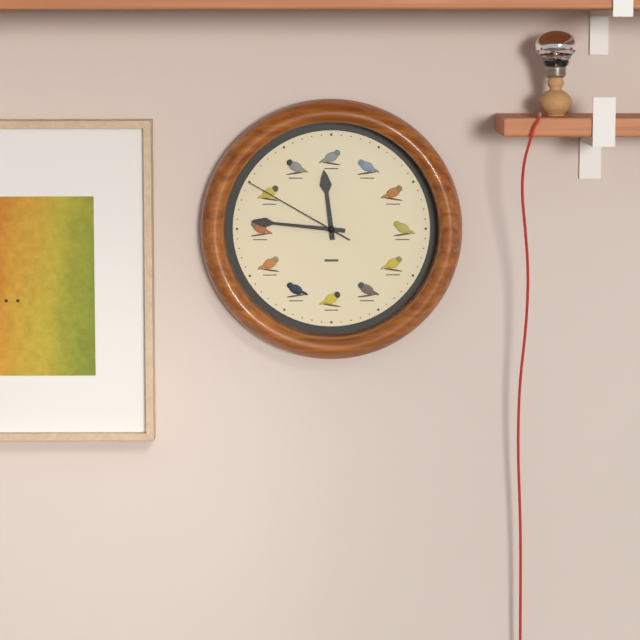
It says 11:46:50
